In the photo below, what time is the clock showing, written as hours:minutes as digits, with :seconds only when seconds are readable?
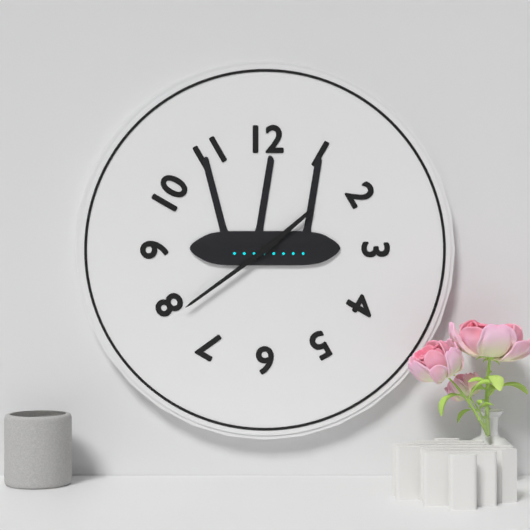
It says 1:39
